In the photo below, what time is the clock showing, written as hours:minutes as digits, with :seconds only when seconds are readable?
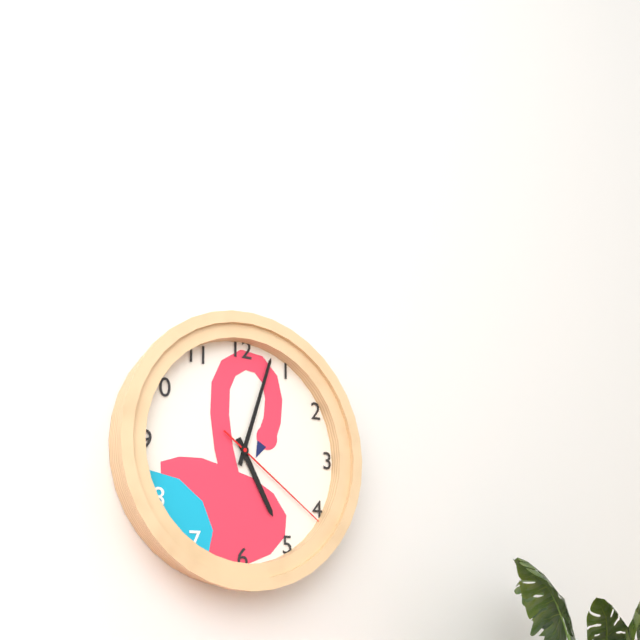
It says 5:03:21
